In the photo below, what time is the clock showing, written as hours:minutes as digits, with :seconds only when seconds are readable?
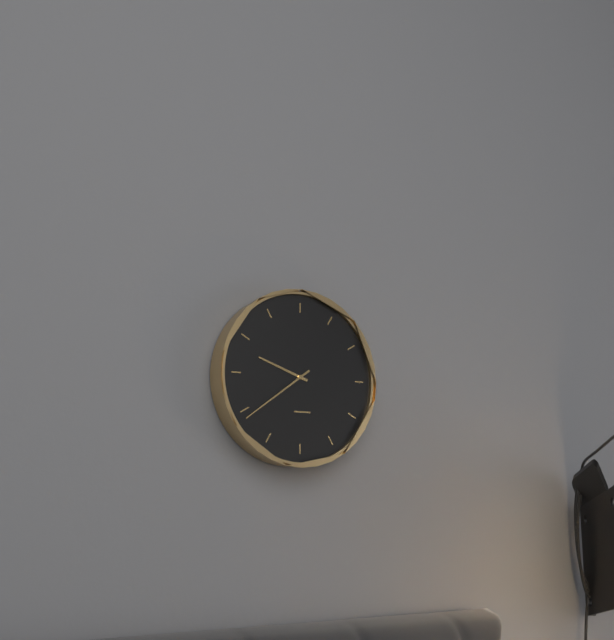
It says 9:39
